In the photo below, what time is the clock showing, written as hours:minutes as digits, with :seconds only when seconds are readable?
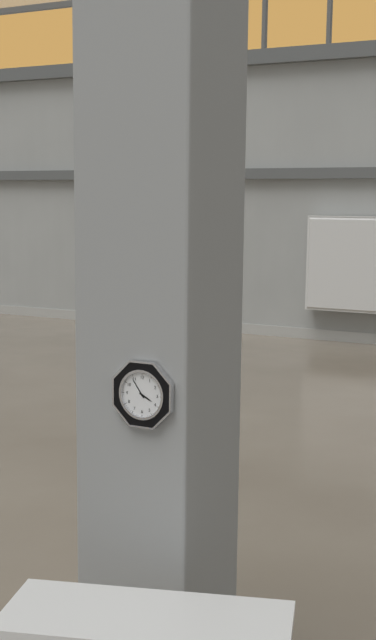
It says 3:54
